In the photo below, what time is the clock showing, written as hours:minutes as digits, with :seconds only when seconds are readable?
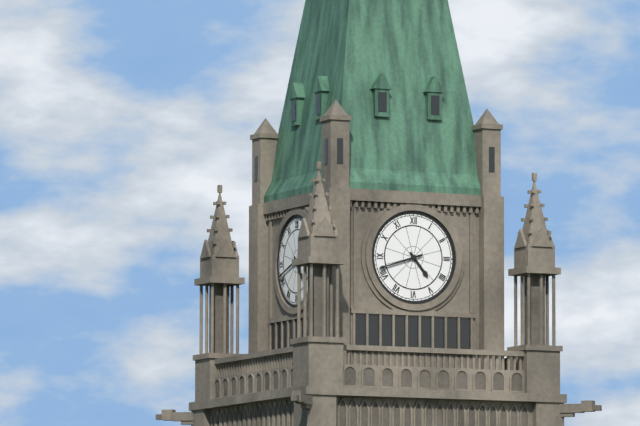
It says 4:42
